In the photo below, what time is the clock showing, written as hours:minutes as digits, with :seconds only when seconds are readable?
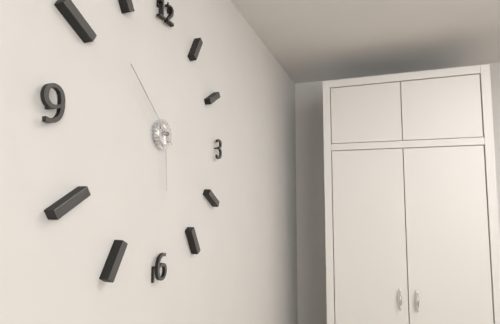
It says 5:52
